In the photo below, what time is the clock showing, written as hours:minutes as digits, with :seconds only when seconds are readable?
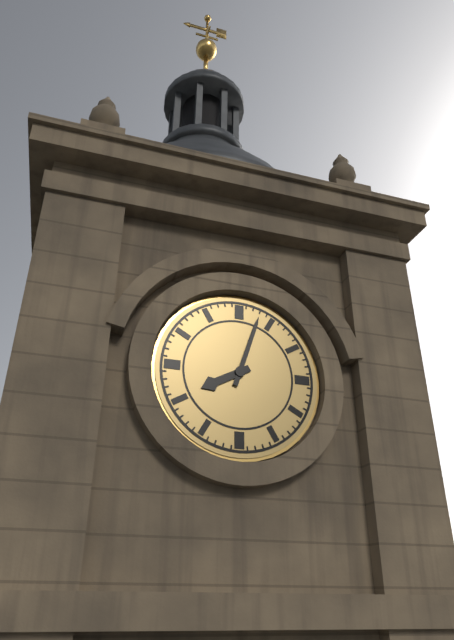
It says 8:03
